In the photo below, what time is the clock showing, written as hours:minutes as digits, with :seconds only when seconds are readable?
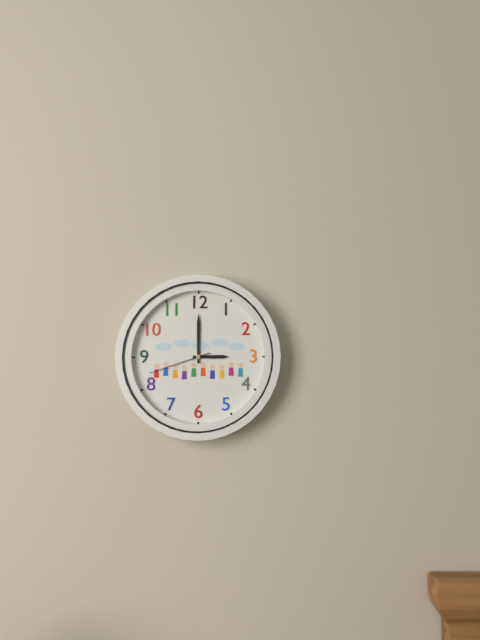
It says 3:00:42
